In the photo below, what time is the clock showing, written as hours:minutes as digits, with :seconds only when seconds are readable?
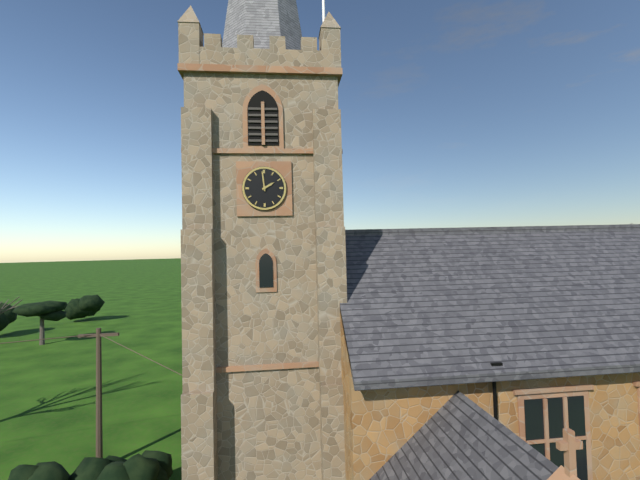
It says 1:59
